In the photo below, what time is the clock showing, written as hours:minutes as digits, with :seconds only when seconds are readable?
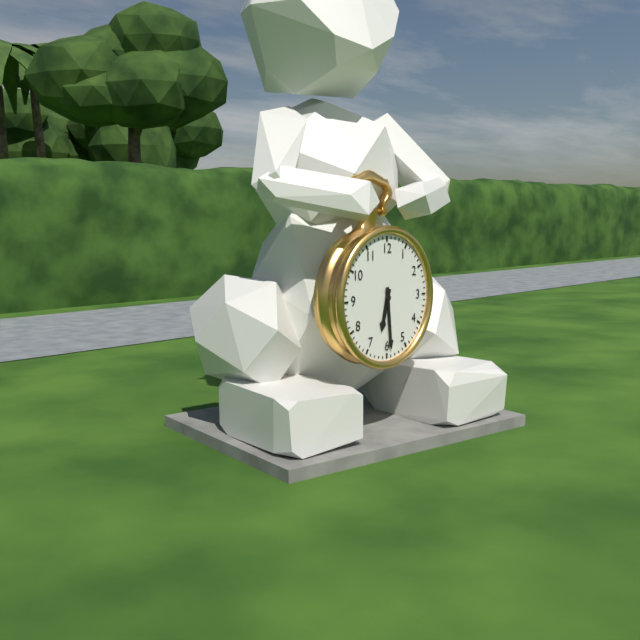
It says 6:29
